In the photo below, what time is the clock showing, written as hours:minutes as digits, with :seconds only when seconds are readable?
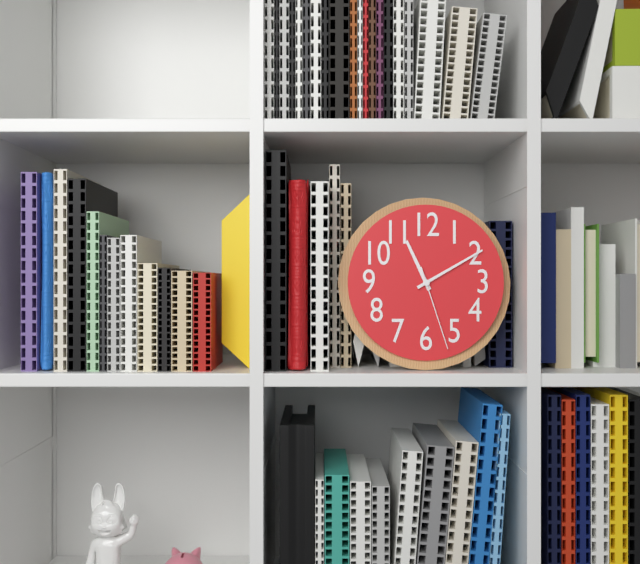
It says 11:10:27
